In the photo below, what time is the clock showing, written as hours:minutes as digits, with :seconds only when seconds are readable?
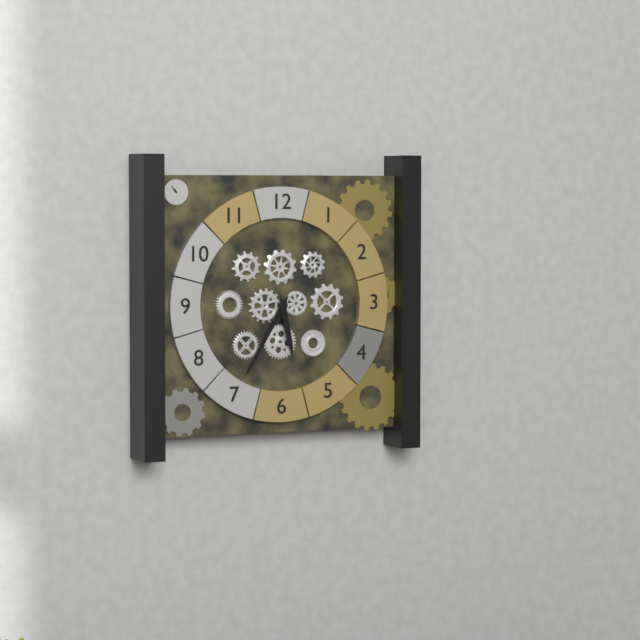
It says 5:35
